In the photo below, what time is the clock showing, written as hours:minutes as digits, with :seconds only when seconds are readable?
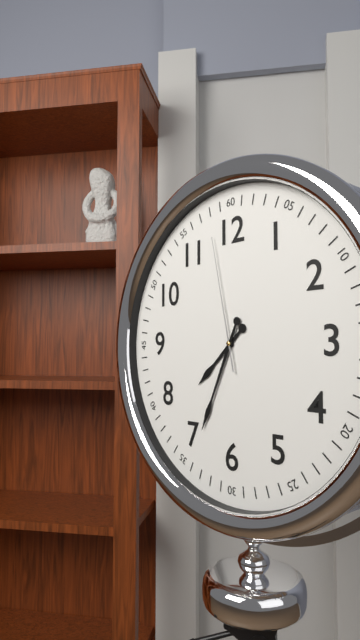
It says 7:34:58
